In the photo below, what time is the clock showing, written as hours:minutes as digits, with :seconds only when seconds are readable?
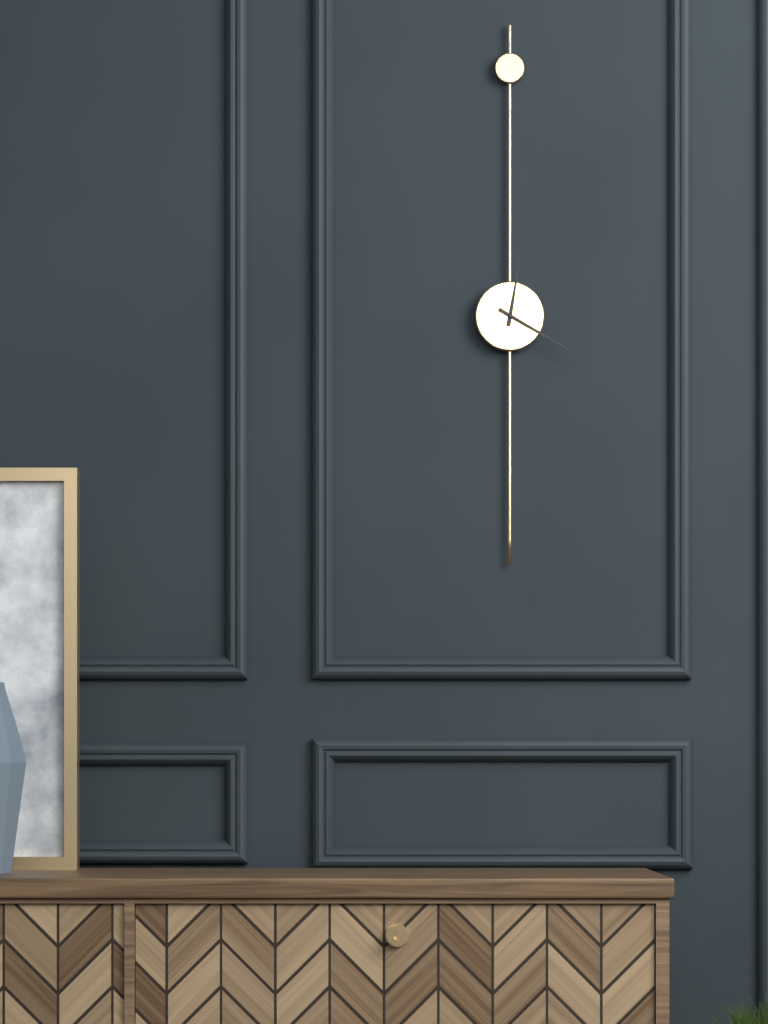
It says 12:20
